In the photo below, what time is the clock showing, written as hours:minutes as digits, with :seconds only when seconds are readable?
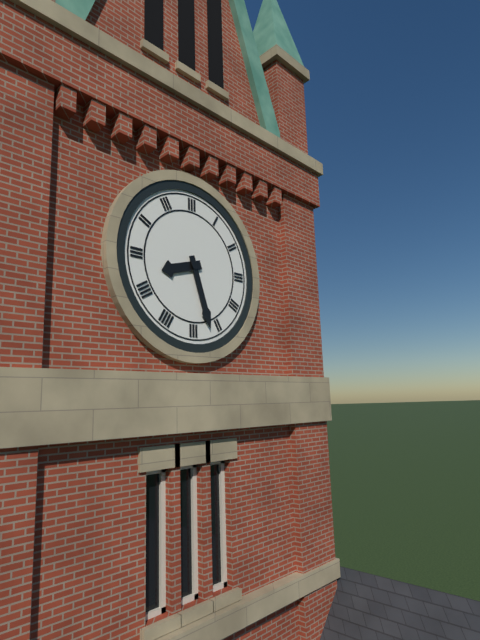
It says 8:27
